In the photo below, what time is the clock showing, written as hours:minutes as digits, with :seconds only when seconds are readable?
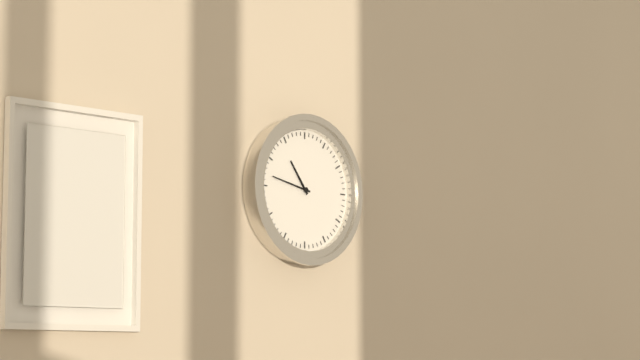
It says 10:47
